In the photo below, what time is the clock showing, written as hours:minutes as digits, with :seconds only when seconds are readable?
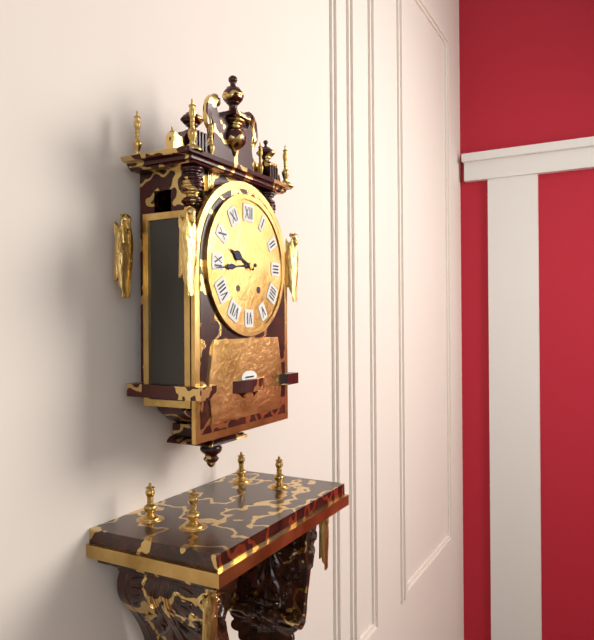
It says 9:44
